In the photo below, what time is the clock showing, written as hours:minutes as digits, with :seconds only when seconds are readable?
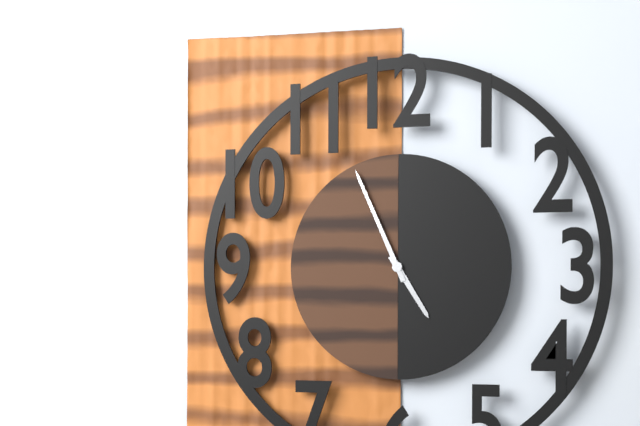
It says 4:56
